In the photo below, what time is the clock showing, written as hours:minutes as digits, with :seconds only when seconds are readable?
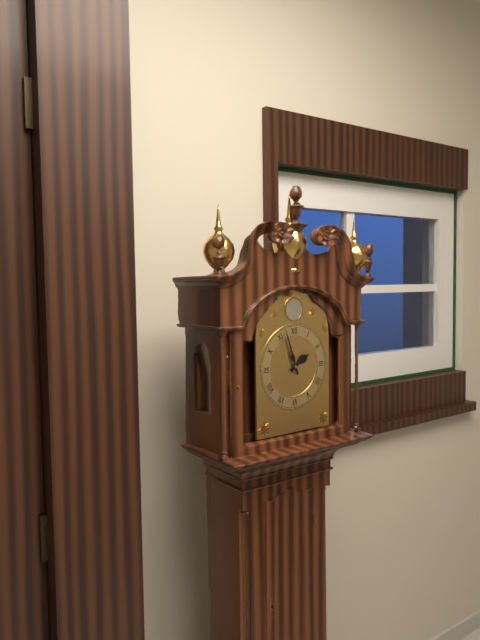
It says 1:57
